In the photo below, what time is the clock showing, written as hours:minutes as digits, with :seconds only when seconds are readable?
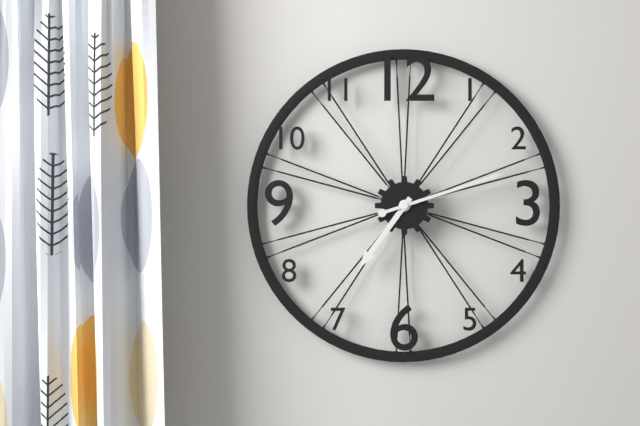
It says 7:12
